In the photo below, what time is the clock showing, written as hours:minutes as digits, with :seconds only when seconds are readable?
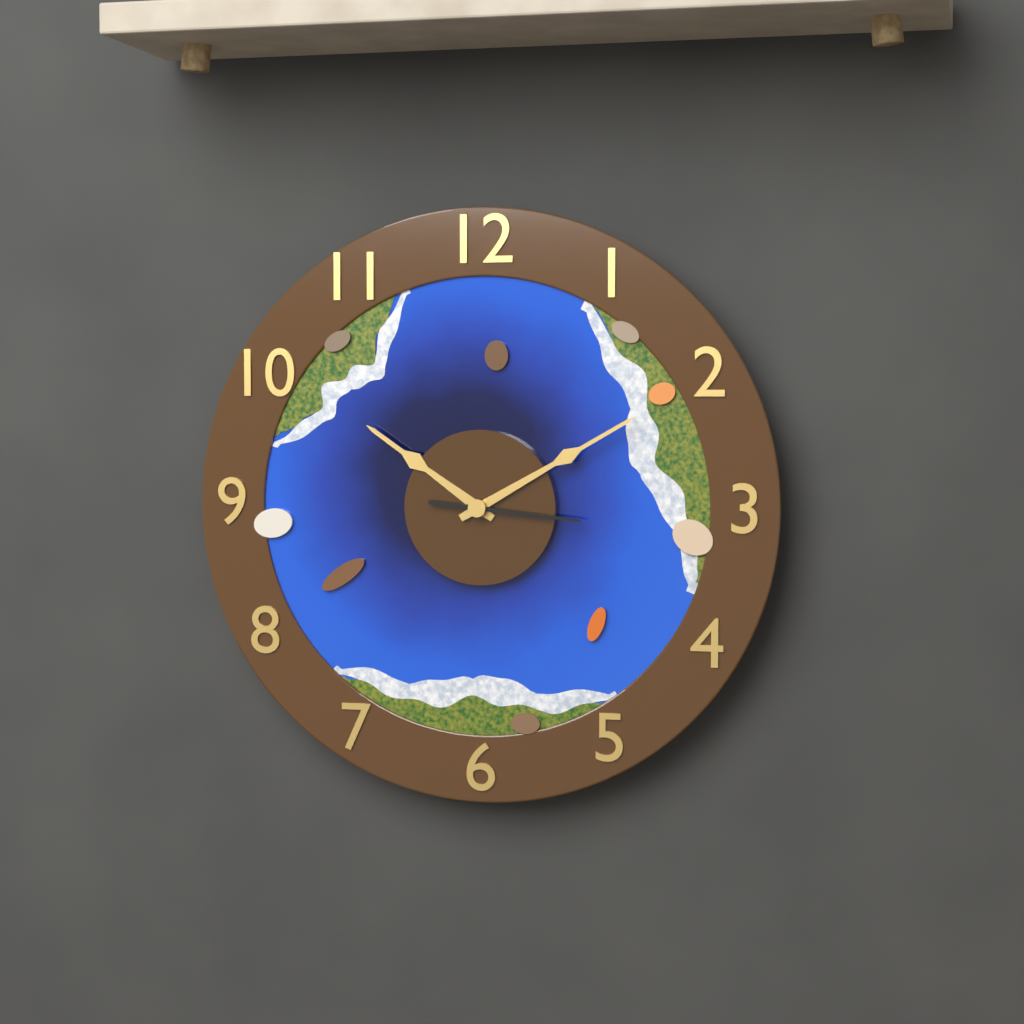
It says 10:10:16
